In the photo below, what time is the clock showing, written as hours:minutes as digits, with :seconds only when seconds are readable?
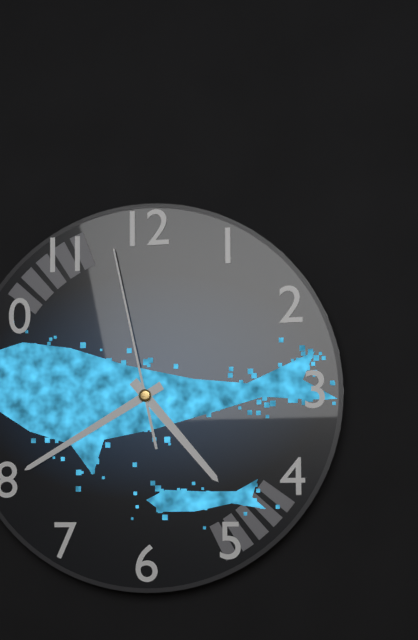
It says 4:40:58
